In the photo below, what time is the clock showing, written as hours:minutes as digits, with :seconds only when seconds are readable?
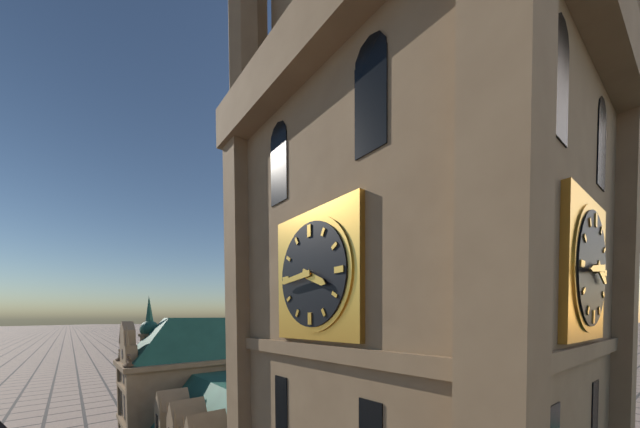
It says 3:44
